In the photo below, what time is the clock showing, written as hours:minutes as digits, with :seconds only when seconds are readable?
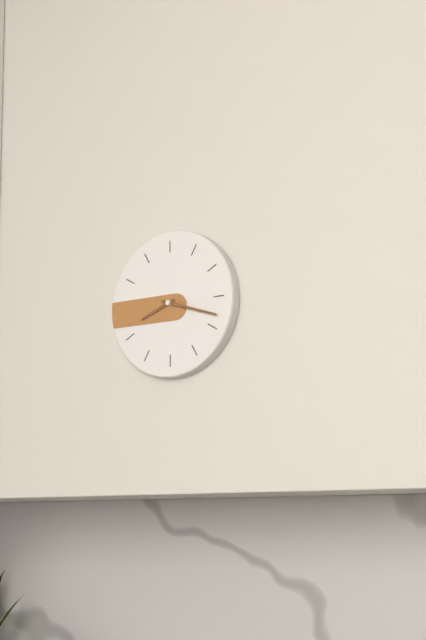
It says 8:18
